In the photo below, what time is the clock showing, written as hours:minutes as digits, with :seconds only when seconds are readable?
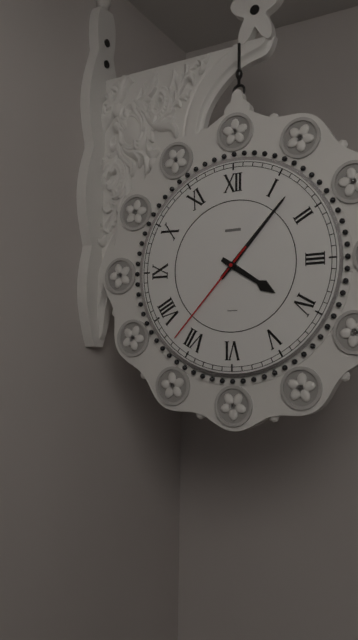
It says 4:07:37
